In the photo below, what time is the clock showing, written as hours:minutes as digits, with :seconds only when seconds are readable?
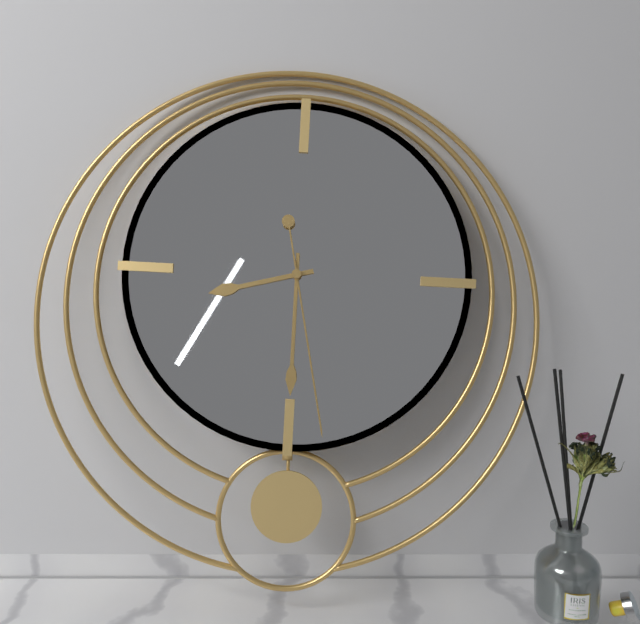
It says 8:30:28
